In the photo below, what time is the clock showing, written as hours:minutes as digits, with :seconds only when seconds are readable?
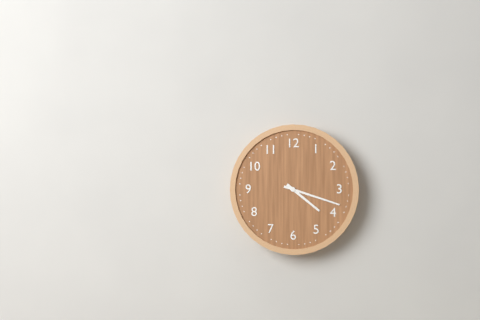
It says 4:18
